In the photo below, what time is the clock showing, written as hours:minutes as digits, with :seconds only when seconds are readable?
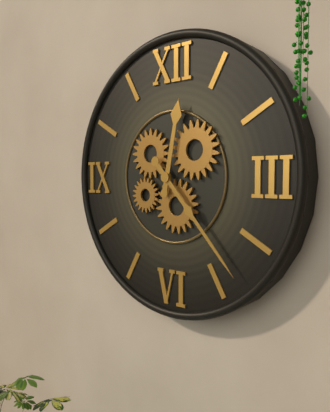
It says 12:23
